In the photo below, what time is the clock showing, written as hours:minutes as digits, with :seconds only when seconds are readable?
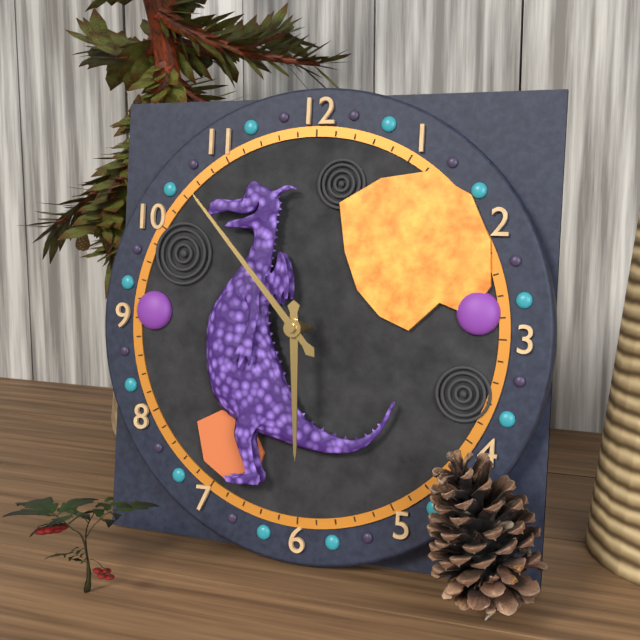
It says 5:53
